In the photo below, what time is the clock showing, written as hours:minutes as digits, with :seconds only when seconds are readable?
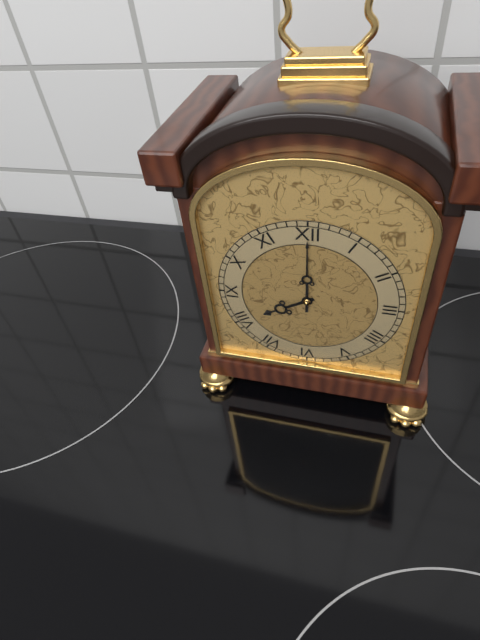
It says 8:00
